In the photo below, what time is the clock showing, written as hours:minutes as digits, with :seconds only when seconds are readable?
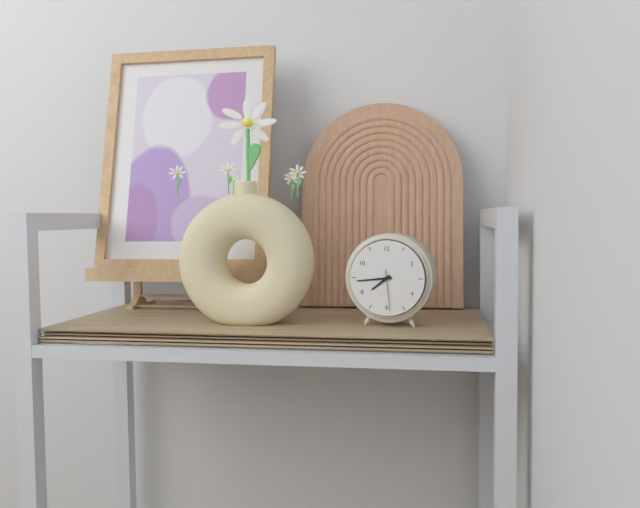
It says 7:44
